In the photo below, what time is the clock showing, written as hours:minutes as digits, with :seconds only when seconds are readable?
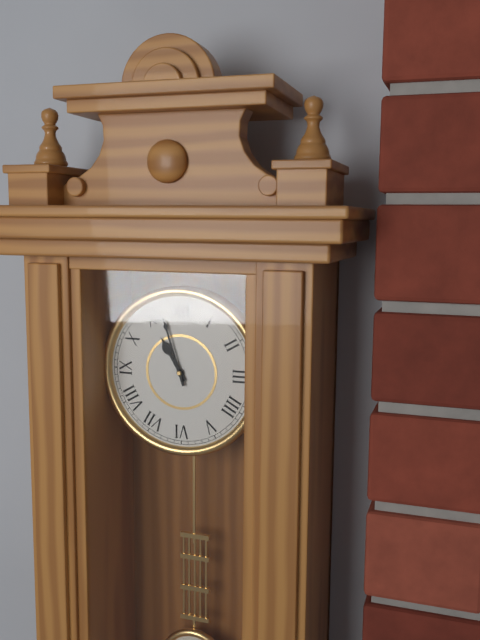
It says 10:57
